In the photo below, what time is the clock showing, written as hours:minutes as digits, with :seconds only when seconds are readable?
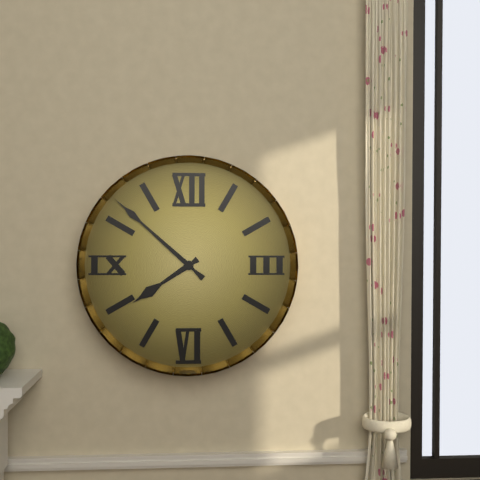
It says 7:52
